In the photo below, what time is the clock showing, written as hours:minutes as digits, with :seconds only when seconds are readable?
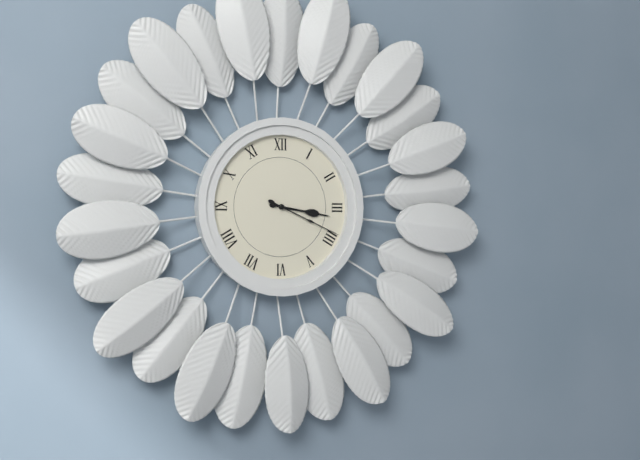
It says 3:19
